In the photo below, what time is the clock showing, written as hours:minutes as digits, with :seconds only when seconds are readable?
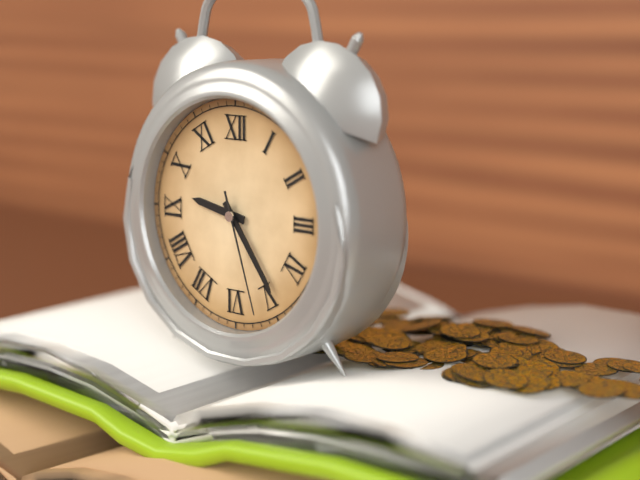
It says 9:24:27
